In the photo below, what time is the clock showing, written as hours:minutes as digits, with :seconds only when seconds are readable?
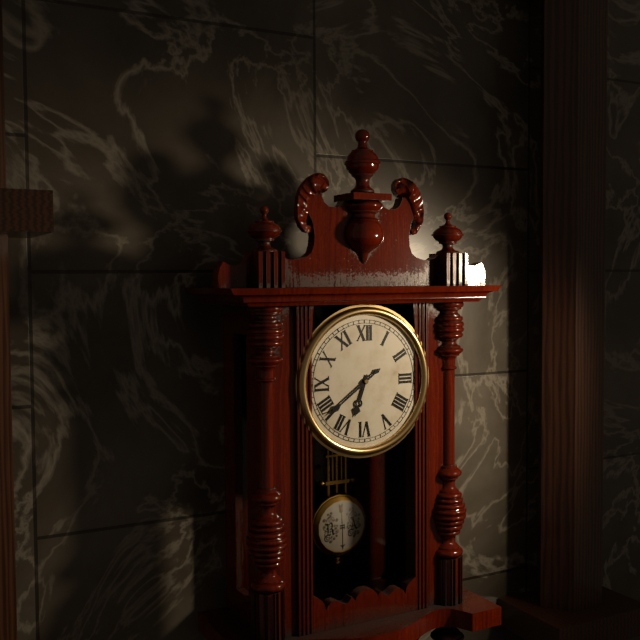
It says 6:39
